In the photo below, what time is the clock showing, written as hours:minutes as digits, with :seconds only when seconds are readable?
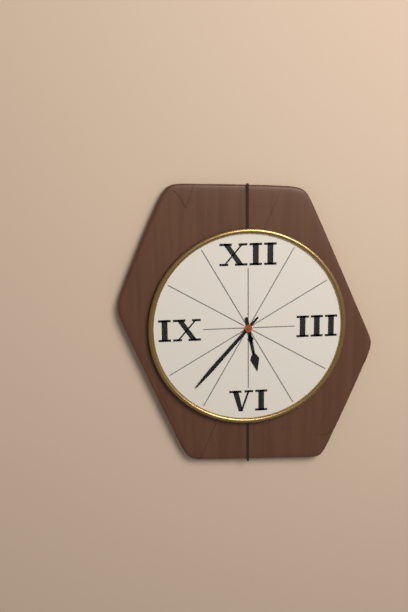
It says 5:37
